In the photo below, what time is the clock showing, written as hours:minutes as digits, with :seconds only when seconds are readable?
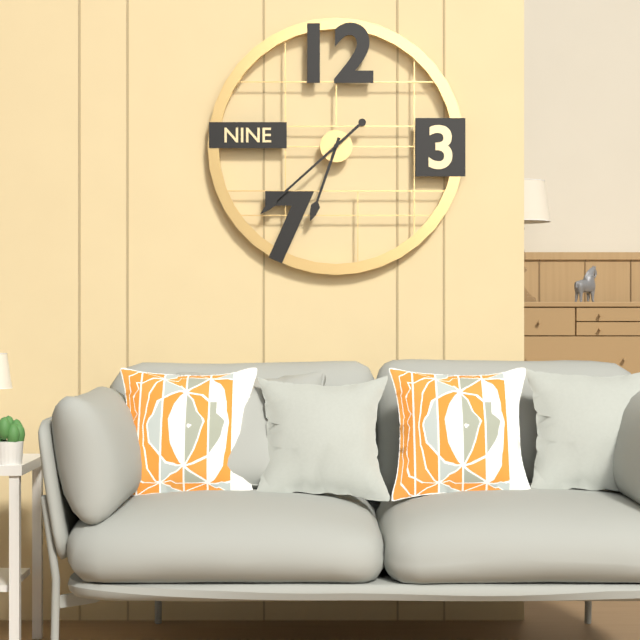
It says 6:38
